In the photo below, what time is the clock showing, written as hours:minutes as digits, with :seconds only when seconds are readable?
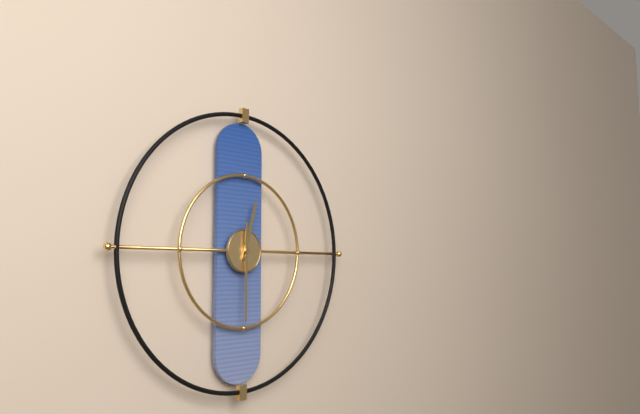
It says 12:30
